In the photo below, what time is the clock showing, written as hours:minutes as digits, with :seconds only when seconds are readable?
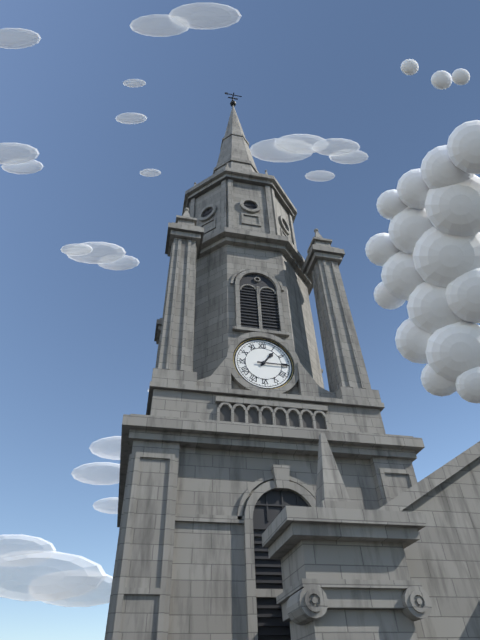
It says 1:15
